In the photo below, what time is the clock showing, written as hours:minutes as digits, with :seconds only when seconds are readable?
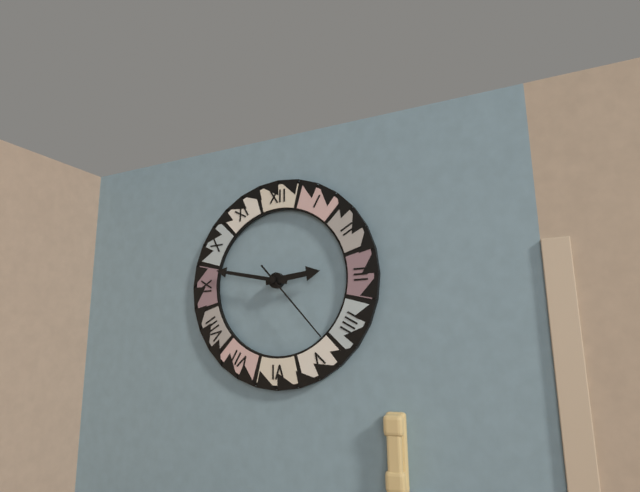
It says 2:47:23
